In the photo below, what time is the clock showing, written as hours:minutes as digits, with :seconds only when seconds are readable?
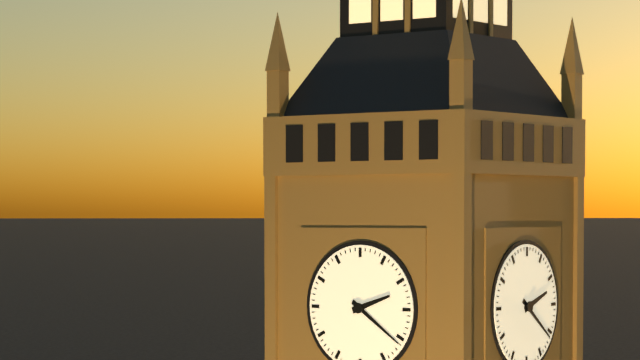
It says 2:21
